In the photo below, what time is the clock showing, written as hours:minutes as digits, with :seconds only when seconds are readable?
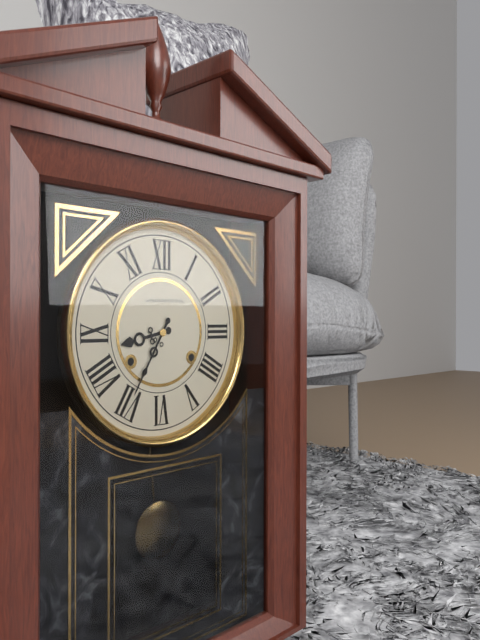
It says 8:35
